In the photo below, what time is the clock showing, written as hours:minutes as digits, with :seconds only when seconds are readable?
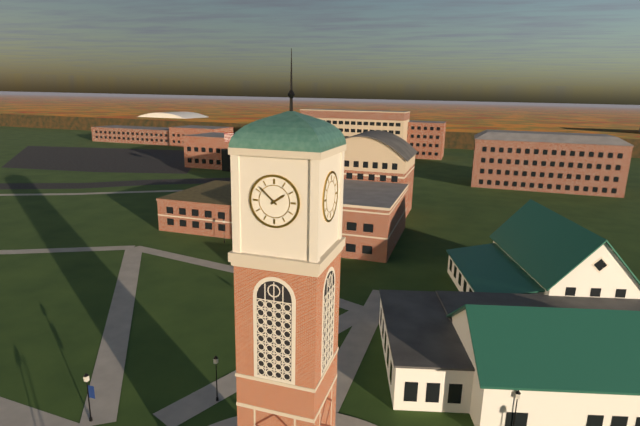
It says 1:52
